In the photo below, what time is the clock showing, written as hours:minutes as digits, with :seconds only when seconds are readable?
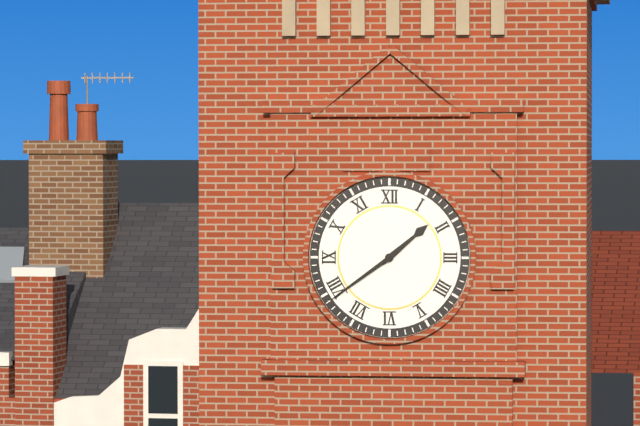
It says 1:39
